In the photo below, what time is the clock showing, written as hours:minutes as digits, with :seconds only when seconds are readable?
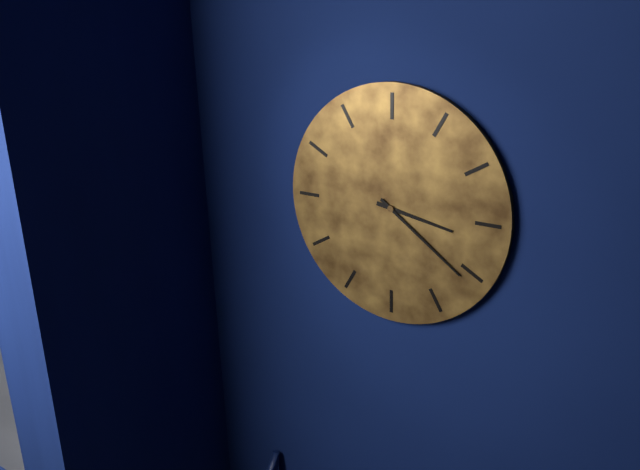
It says 3:21
